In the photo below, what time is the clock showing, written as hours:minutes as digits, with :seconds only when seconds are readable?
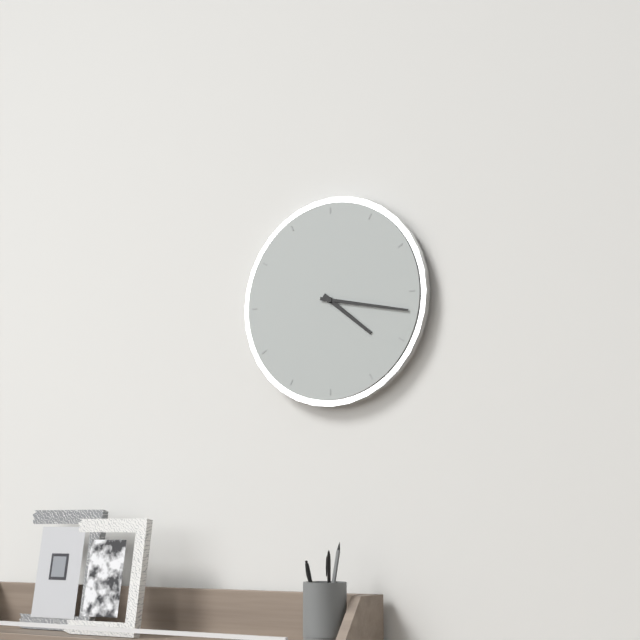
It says 4:17
